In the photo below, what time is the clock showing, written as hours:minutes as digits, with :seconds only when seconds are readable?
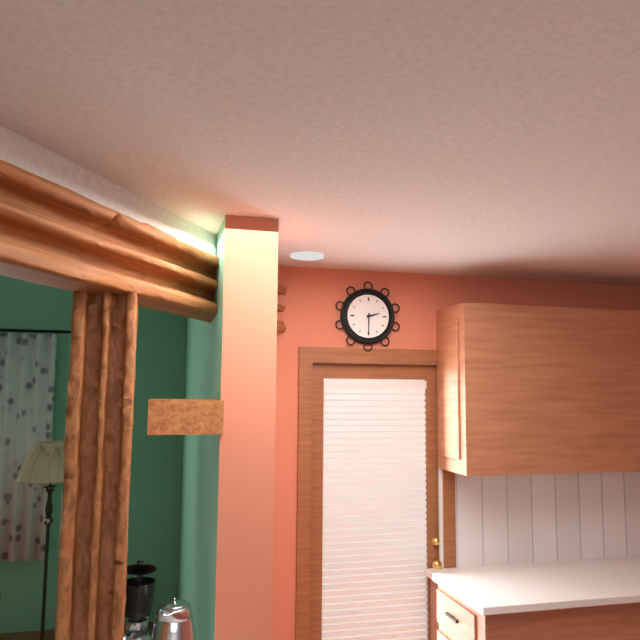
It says 2:30
